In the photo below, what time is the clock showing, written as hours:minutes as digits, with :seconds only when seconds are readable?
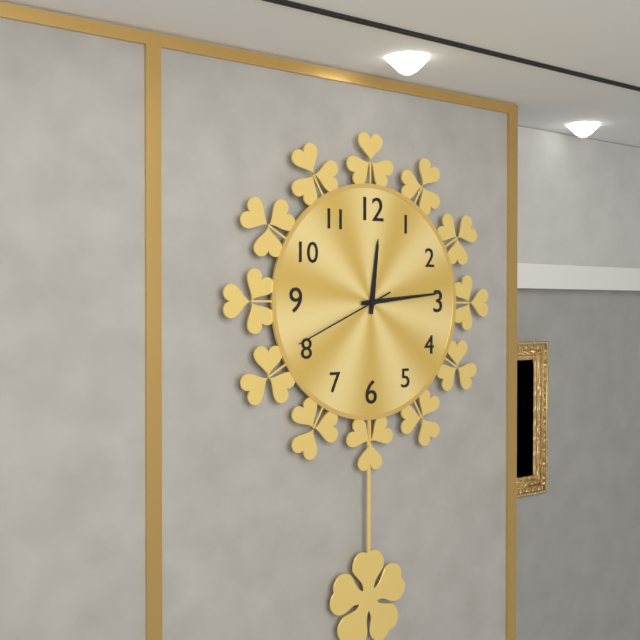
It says 12:14:41
